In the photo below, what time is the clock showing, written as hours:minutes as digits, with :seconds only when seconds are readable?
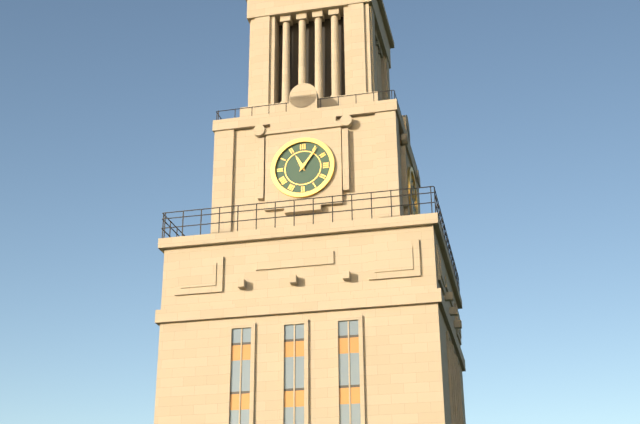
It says 11:06
